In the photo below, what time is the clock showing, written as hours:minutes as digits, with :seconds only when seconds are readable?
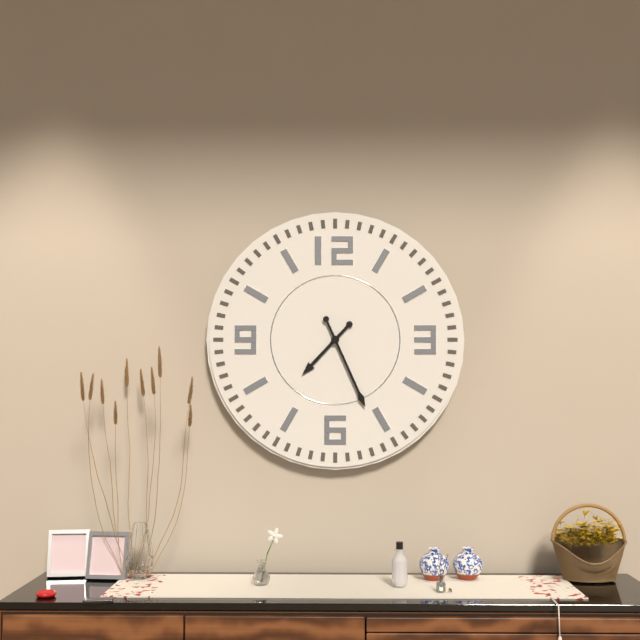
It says 7:26
